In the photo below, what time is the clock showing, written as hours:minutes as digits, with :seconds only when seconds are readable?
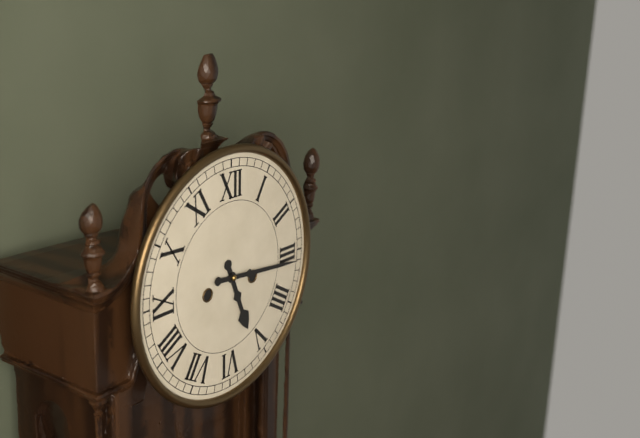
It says 5:16
